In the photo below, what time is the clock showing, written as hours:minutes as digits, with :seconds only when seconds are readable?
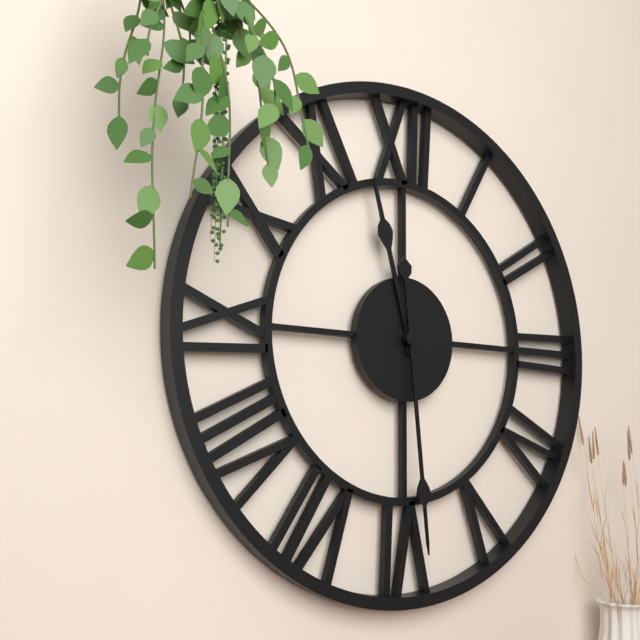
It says 11:29
